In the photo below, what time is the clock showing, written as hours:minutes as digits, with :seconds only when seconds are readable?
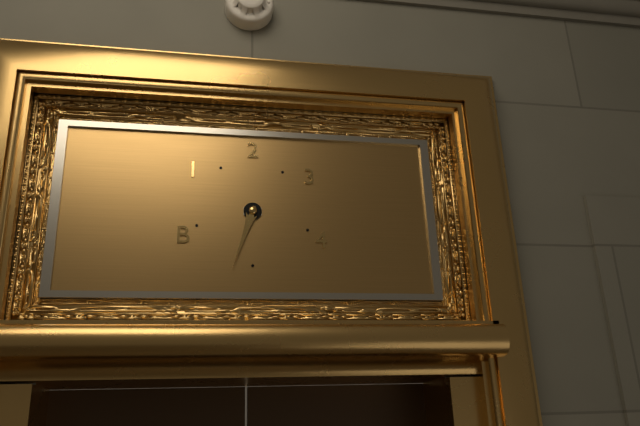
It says 6:33
